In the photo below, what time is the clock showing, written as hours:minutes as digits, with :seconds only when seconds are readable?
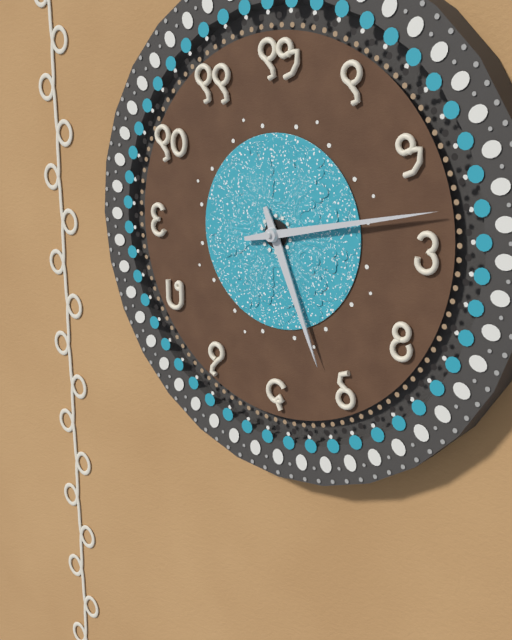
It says 5:13
